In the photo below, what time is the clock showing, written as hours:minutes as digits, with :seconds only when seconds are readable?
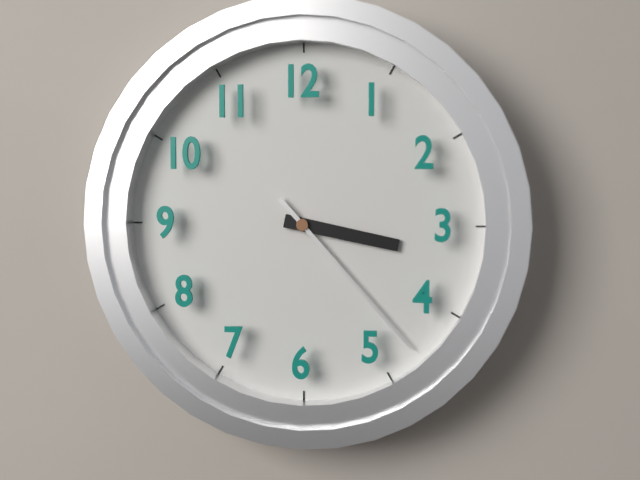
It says 3:23
